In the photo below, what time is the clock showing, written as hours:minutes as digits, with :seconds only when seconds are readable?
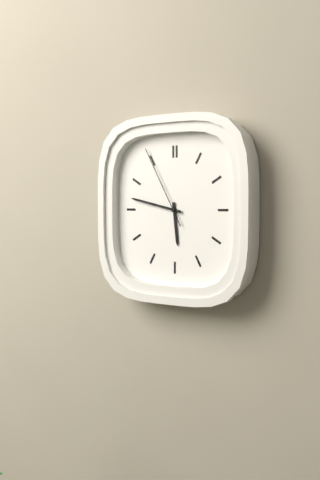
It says 5:47:55
